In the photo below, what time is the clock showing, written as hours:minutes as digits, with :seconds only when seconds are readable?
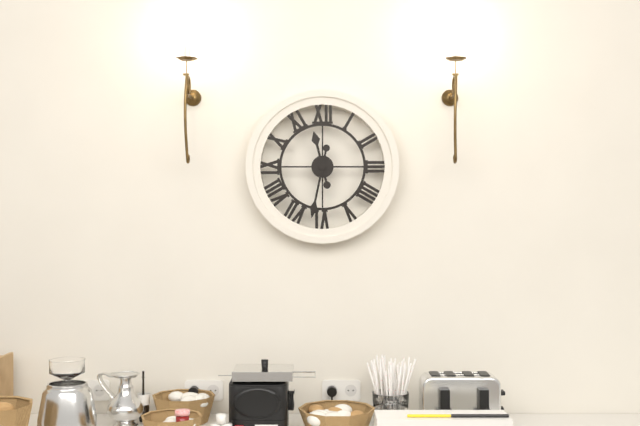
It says 11:32
